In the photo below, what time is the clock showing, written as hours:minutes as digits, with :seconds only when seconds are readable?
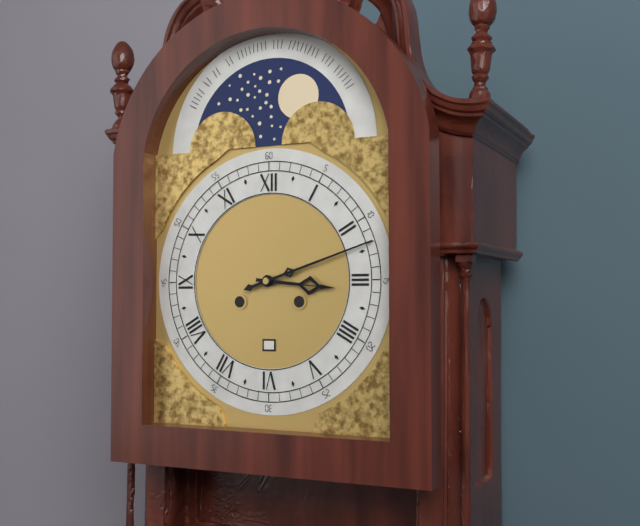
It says 3:12
